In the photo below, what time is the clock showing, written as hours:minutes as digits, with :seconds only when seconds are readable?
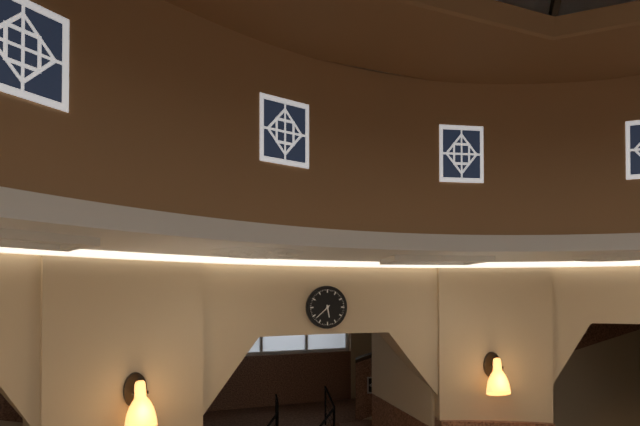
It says 5:38
